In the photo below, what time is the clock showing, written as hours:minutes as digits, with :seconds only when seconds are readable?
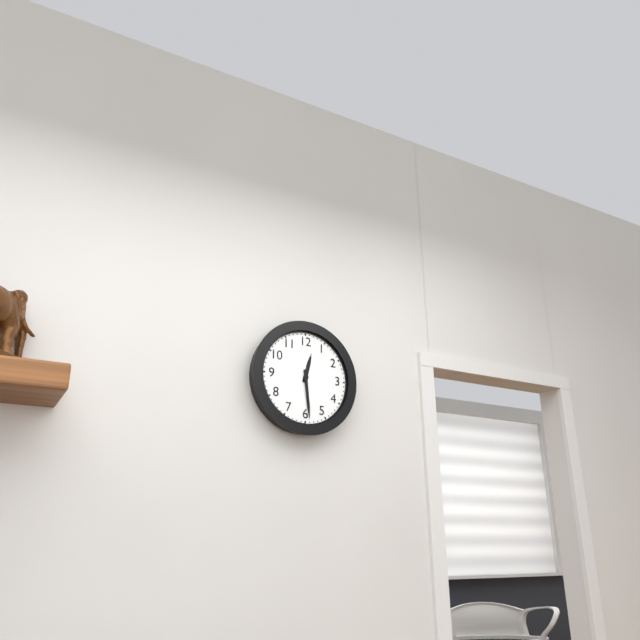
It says 12:29
